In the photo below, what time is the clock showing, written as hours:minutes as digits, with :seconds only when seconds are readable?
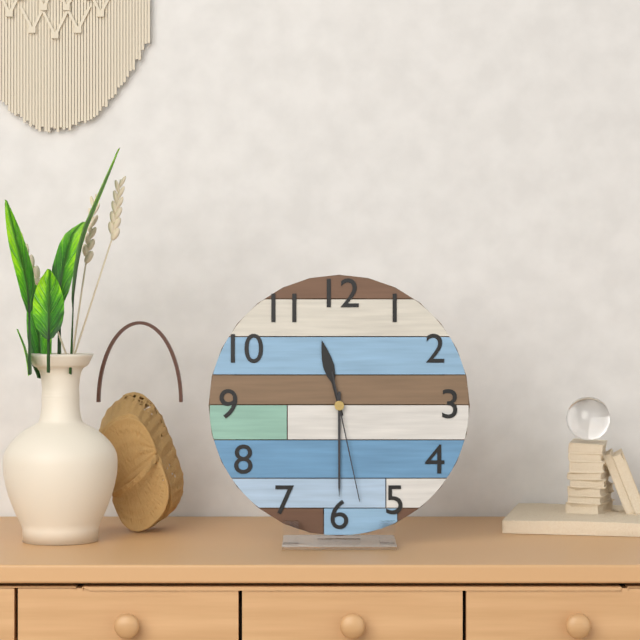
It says 11:30:28
